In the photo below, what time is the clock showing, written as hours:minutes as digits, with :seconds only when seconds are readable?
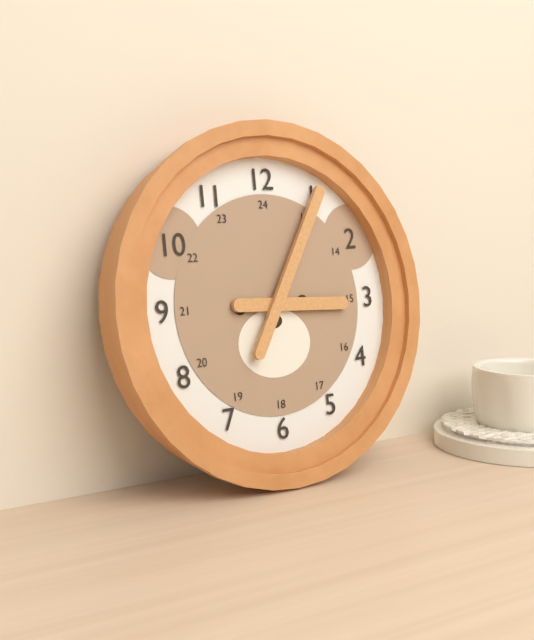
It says 3:05
